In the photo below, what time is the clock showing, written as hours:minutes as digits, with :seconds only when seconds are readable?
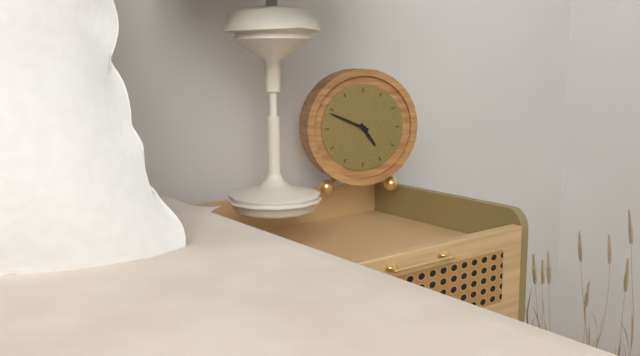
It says 4:49
